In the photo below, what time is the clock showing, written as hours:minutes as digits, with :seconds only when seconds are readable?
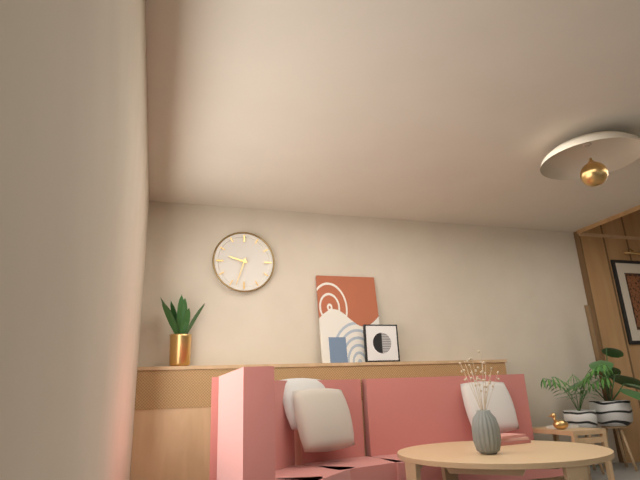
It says 9:33
